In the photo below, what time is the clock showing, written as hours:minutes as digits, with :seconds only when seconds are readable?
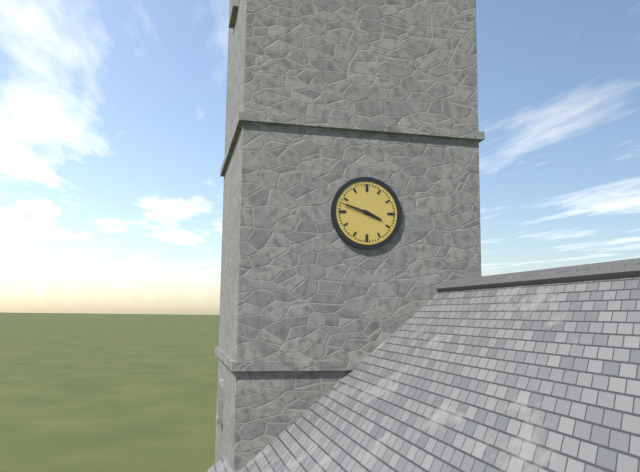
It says 3:48
